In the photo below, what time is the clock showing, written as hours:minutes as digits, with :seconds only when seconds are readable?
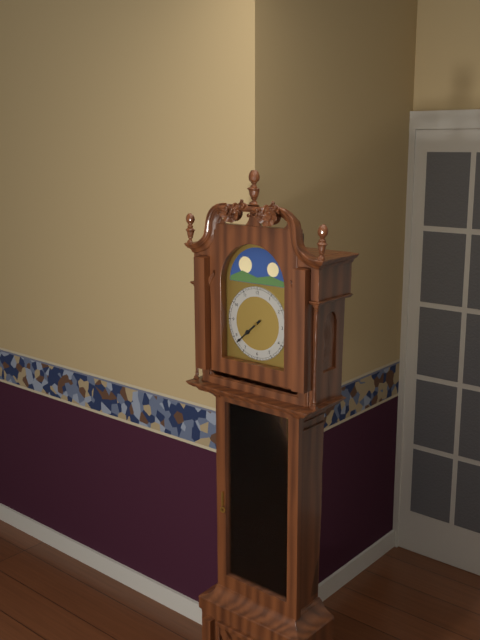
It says 7:38
